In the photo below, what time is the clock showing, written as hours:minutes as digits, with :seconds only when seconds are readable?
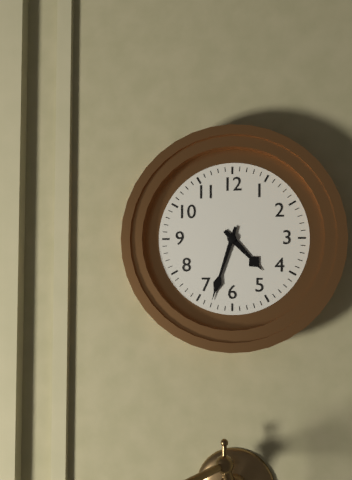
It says 4:33
